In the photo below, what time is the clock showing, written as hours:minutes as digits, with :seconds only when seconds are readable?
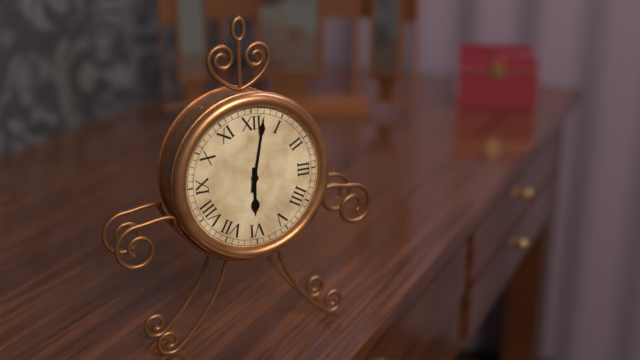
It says 6:02
